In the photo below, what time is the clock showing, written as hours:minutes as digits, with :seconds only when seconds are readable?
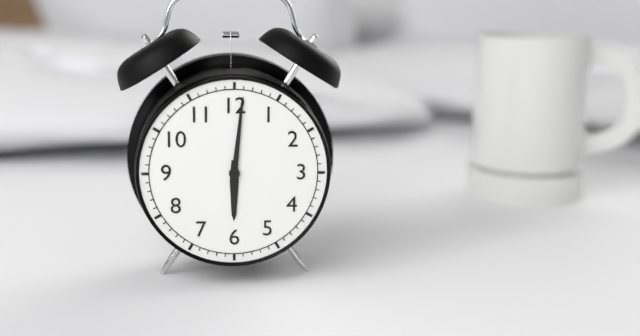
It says 6:01
